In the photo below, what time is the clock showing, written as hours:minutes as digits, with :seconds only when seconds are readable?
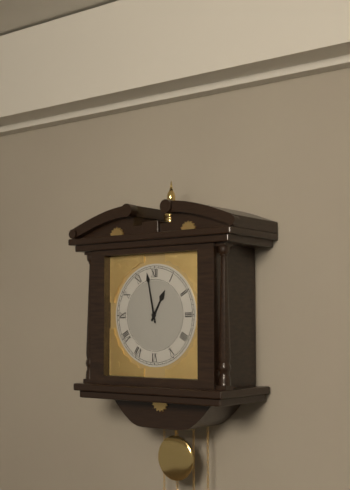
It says 12:58
